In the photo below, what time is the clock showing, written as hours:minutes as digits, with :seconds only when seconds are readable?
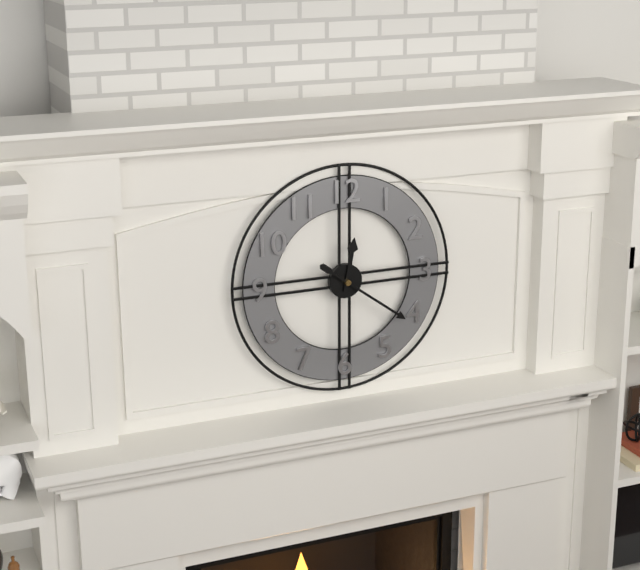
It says 12:21
